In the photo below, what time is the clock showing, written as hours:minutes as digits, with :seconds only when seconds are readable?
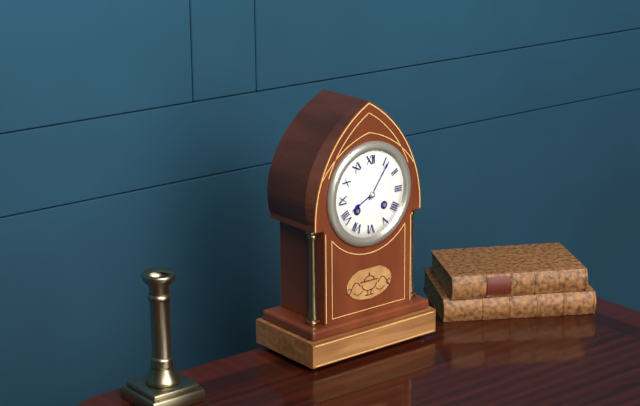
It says 8:06
